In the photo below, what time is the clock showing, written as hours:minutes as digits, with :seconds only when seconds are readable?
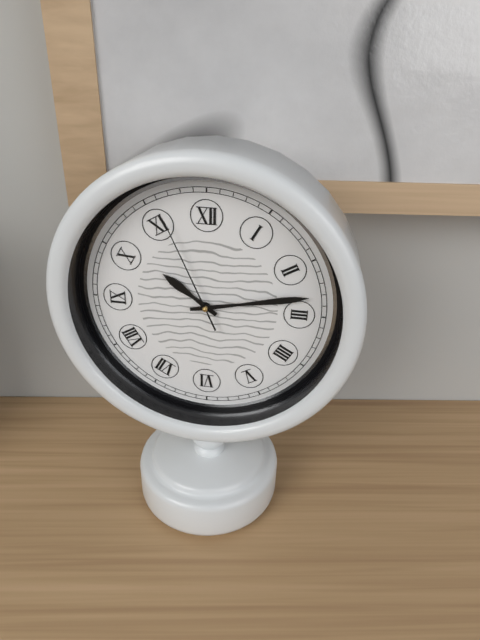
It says 10:13:56
